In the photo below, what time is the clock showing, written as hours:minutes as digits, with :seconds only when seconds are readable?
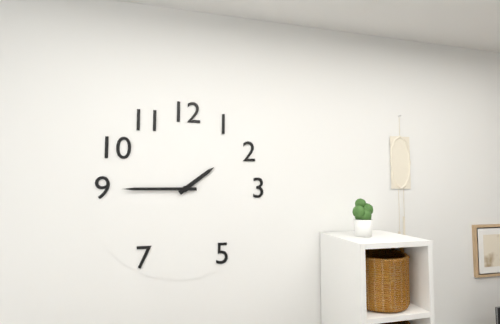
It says 1:45
